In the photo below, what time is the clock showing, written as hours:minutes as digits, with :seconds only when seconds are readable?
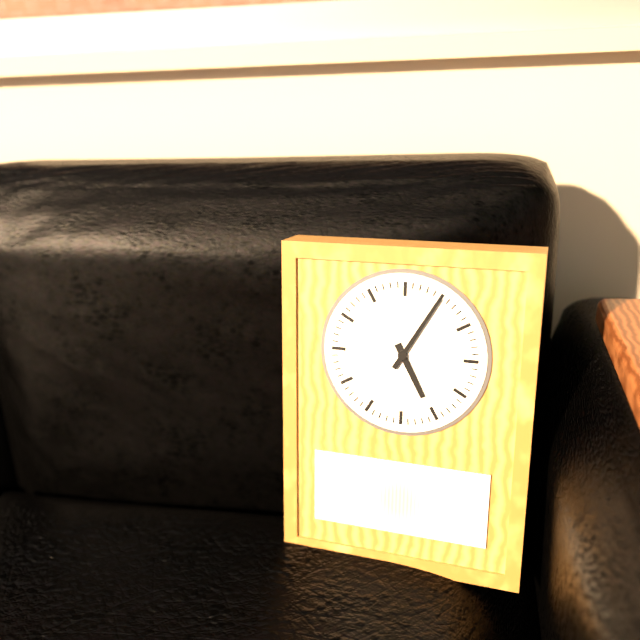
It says 5:05
